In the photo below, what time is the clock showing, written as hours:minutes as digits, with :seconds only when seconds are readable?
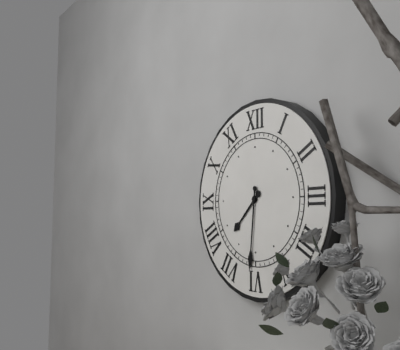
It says 7:31
